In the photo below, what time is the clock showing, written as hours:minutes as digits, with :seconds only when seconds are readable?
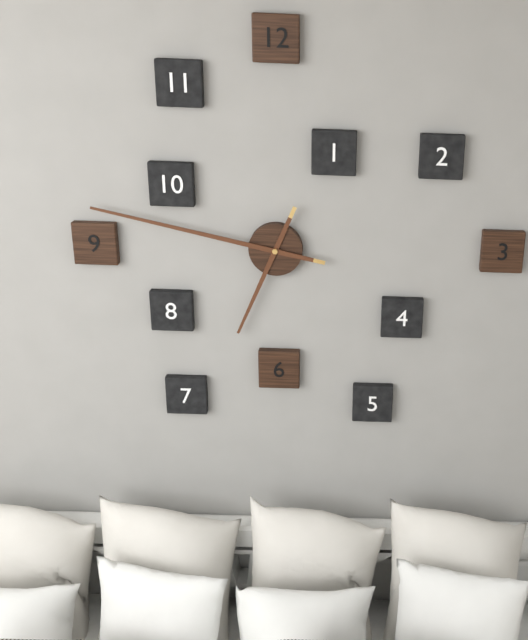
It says 6:47
